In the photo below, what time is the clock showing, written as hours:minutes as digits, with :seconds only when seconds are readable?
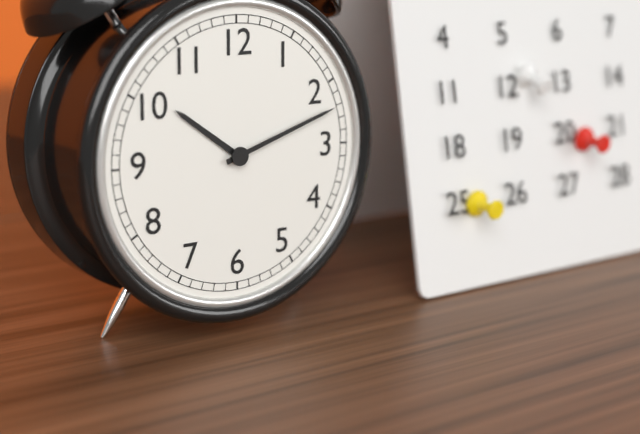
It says 10:12
